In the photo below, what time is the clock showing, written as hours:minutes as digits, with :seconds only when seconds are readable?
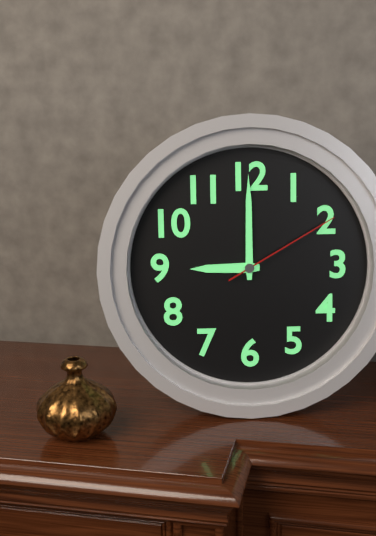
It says 9:00:10
